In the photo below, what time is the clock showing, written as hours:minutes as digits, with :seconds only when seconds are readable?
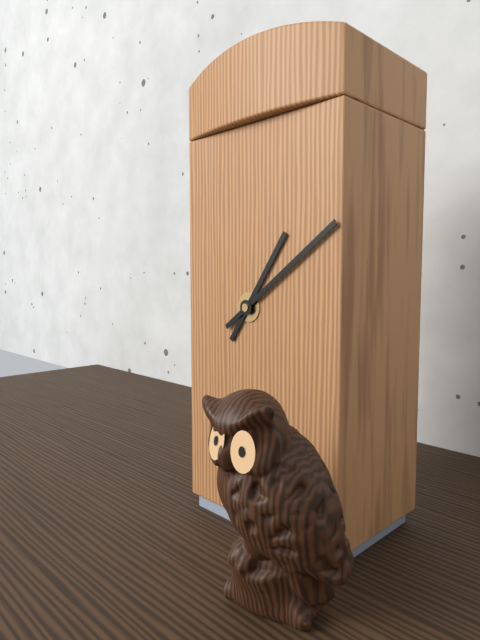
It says 1:09
